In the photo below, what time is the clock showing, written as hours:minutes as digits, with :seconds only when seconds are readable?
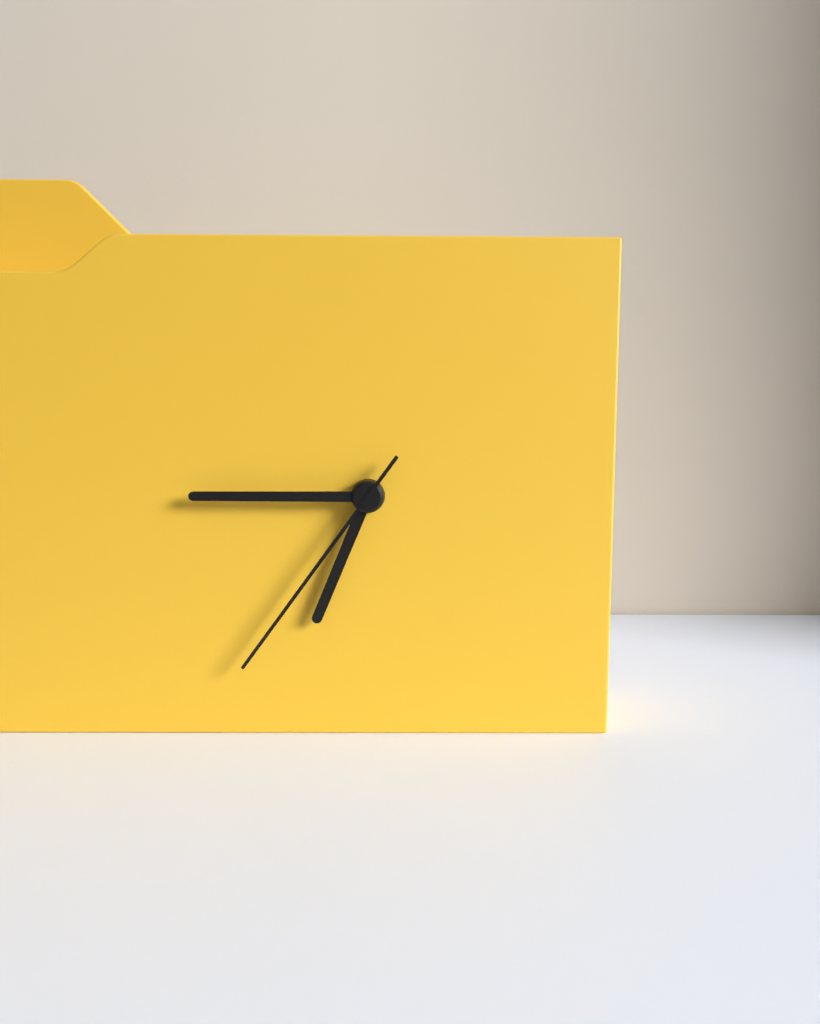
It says 6:45:36
